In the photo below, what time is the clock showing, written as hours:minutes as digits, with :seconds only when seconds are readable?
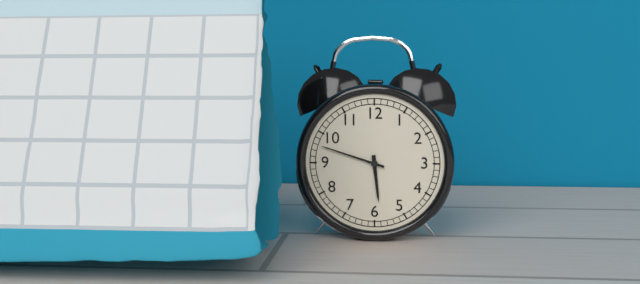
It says 5:48
